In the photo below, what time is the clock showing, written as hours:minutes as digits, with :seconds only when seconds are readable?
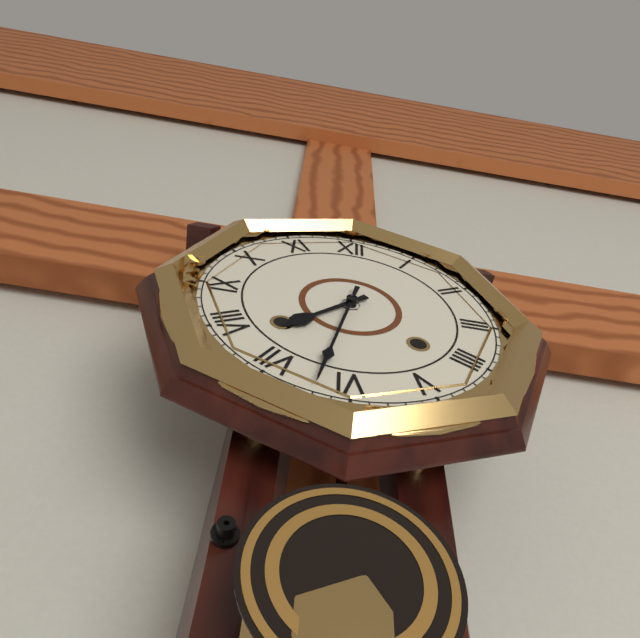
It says 7:32
